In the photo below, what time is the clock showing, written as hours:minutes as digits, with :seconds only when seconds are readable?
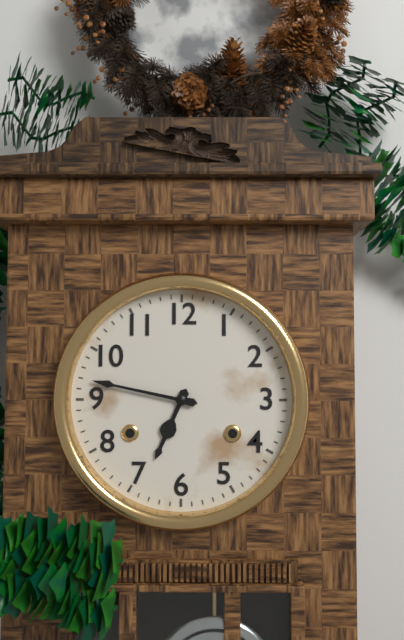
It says 6:47
